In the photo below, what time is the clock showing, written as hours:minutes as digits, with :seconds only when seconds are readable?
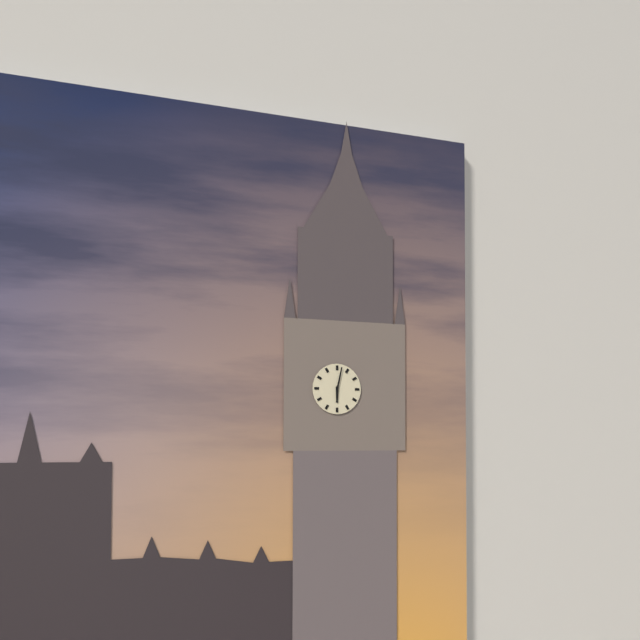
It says 6:02
